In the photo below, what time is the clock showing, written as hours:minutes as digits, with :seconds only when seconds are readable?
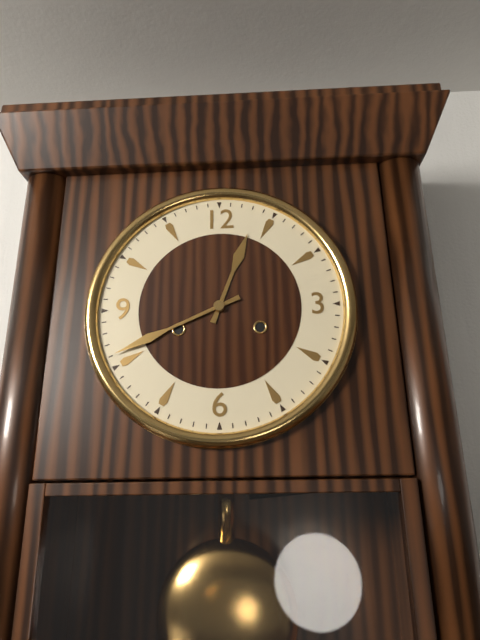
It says 12:41
